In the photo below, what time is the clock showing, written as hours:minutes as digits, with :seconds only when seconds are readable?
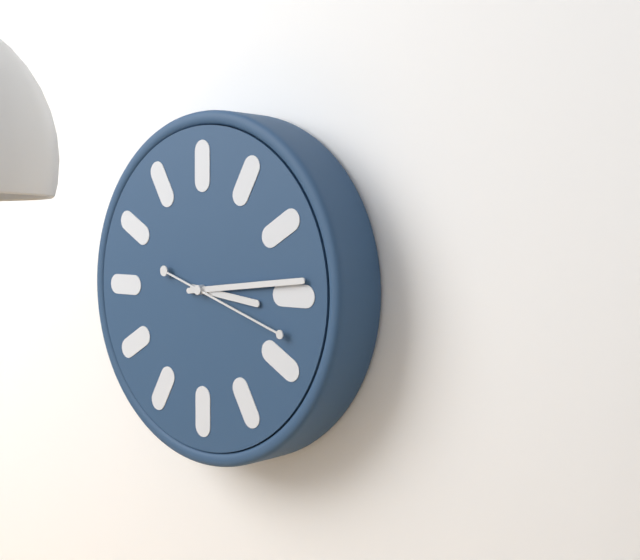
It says 3:14:18
